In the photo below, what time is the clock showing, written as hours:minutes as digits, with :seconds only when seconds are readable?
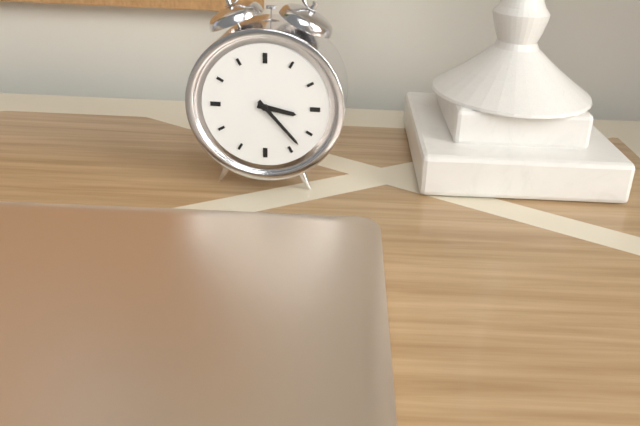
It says 3:23
